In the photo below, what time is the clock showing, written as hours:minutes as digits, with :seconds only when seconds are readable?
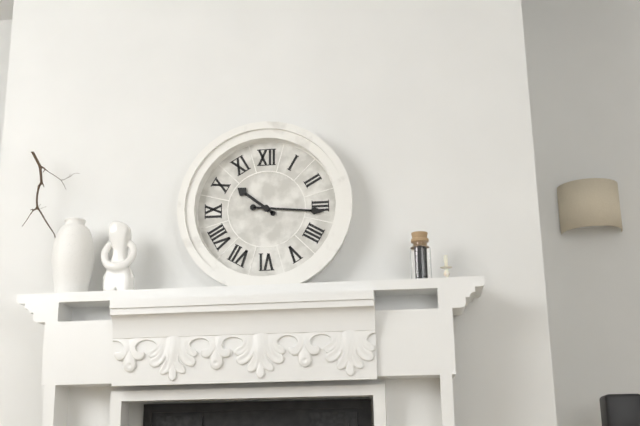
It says 10:16
